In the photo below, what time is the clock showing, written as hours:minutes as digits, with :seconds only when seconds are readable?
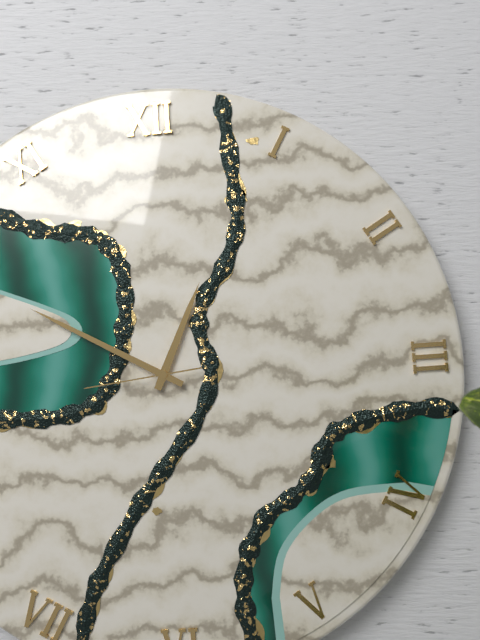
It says 12:50:44
